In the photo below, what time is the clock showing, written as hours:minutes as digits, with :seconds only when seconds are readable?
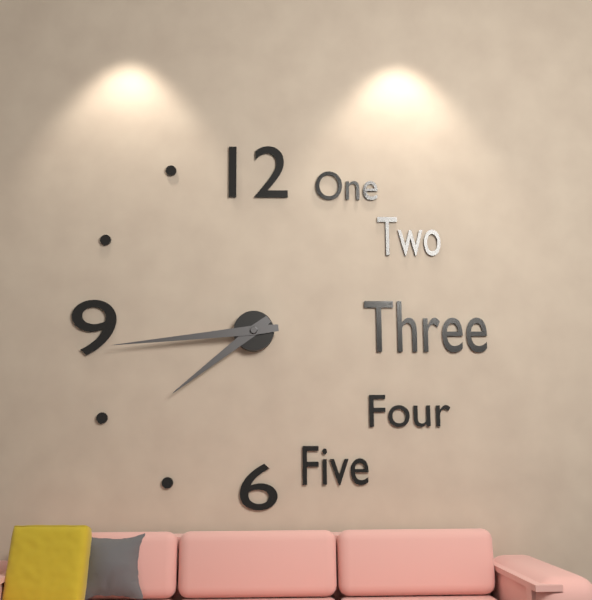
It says 7:44
